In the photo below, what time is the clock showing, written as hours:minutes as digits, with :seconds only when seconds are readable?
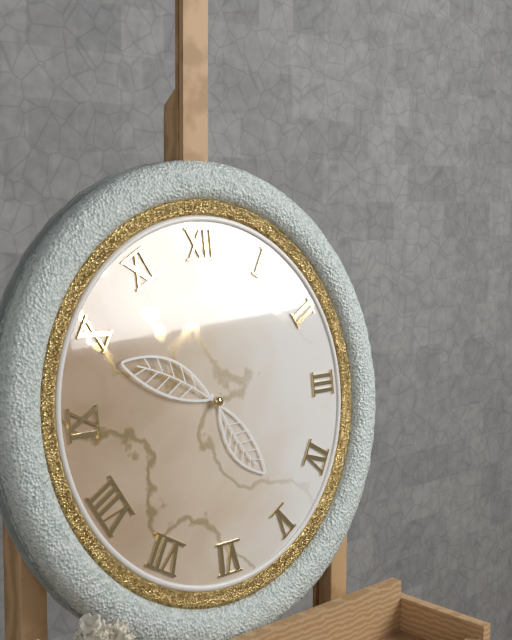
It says 4:49
